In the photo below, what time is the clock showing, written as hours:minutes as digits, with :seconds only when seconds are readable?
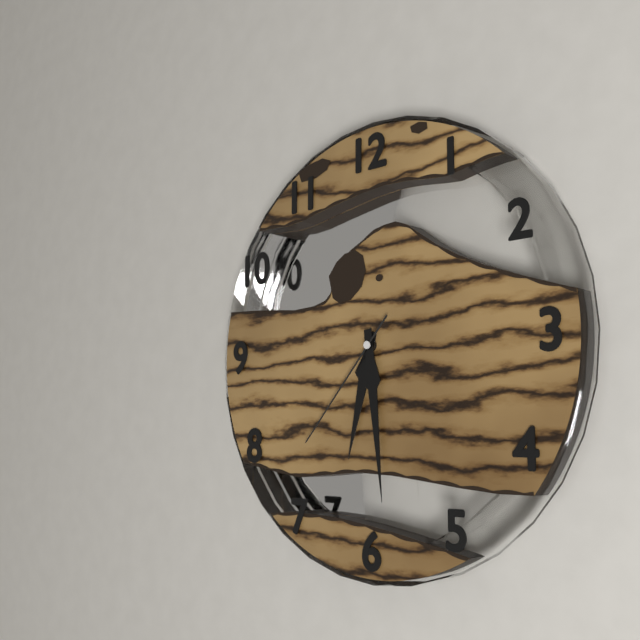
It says 6:29:37
